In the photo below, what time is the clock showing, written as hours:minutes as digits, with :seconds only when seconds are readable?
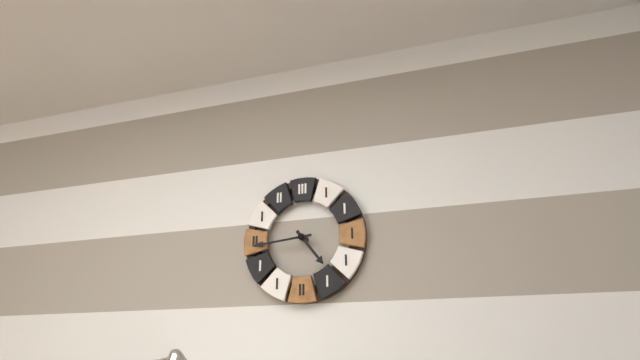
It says 4:44
